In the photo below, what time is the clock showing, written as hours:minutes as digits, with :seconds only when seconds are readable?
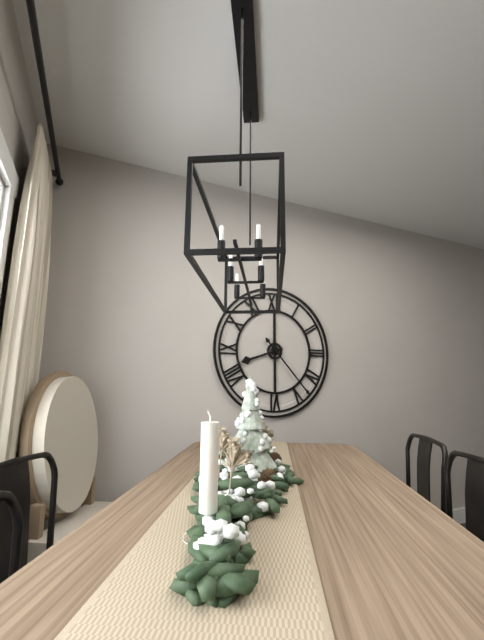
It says 8:23
